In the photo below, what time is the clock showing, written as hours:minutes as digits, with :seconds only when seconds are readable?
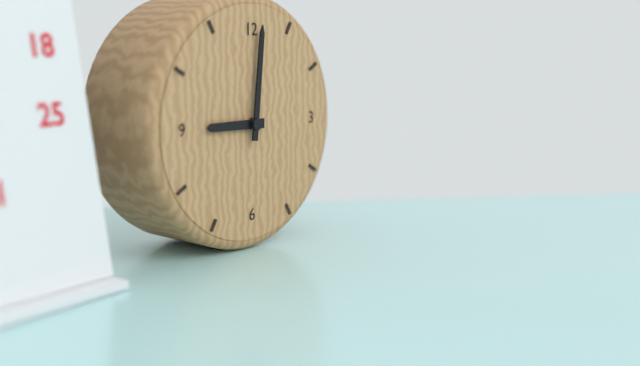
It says 9:01
